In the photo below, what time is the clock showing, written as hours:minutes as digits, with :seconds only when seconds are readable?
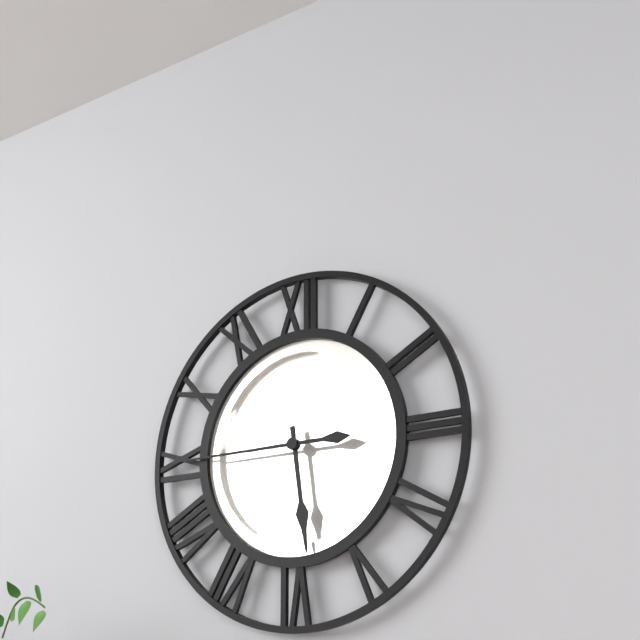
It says 5:45
